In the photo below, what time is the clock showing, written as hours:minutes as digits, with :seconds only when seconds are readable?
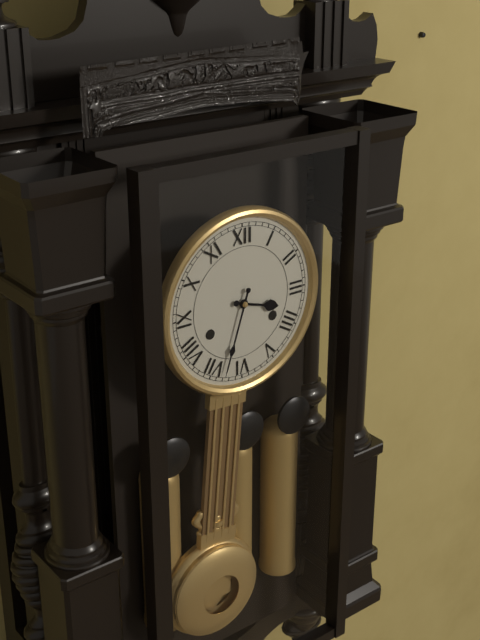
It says 3:33
